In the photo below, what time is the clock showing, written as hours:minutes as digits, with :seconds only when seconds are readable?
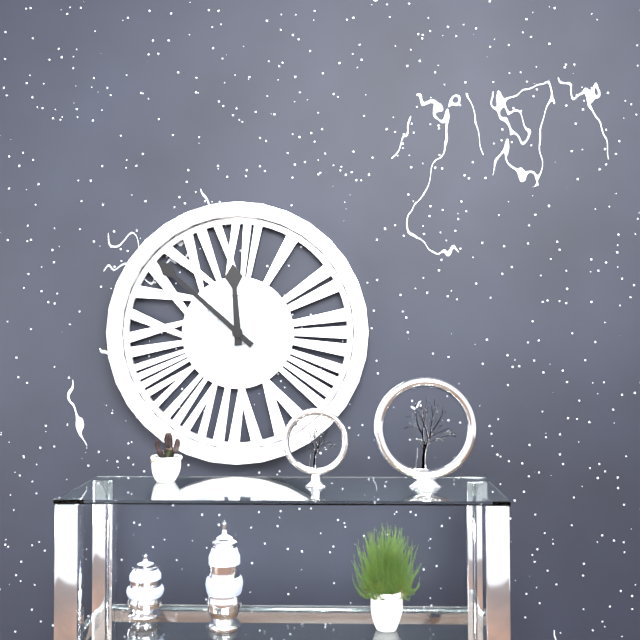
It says 11:52
